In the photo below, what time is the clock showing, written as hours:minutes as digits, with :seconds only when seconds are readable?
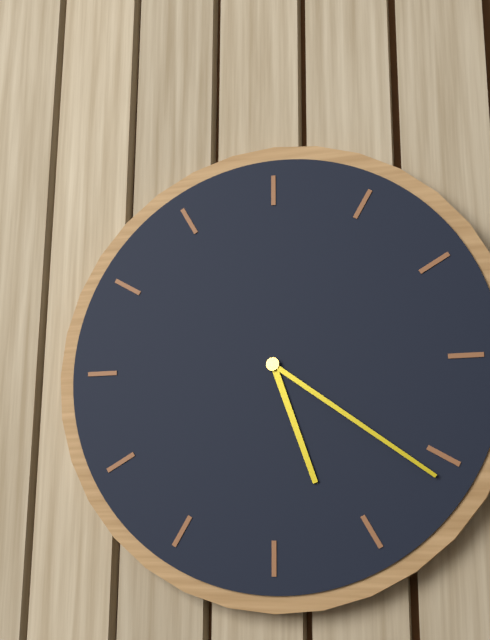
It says 5:21
